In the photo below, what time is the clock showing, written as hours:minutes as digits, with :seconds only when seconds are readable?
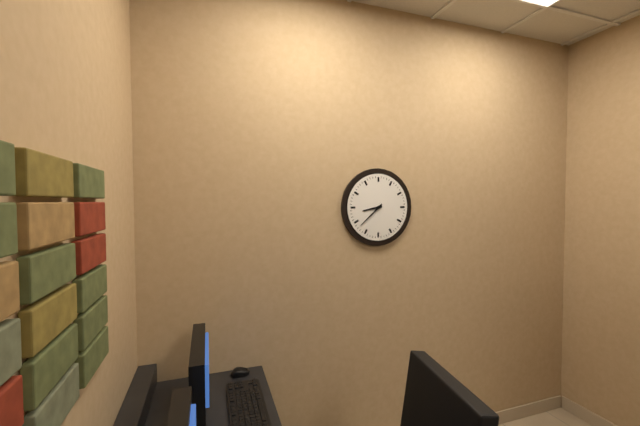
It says 8:38
